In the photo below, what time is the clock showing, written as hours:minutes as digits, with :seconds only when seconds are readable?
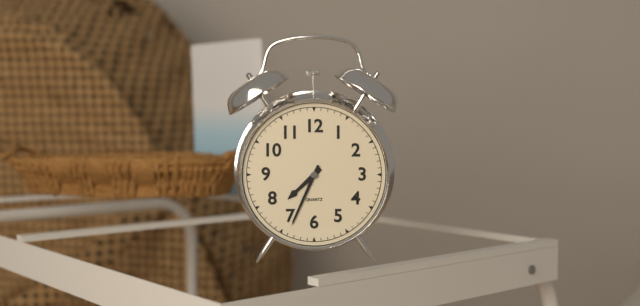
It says 7:34
